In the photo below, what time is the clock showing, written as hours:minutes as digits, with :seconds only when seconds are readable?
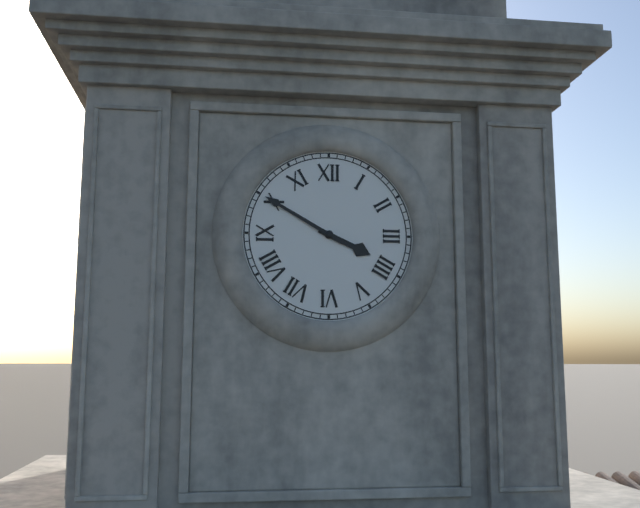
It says 3:50
